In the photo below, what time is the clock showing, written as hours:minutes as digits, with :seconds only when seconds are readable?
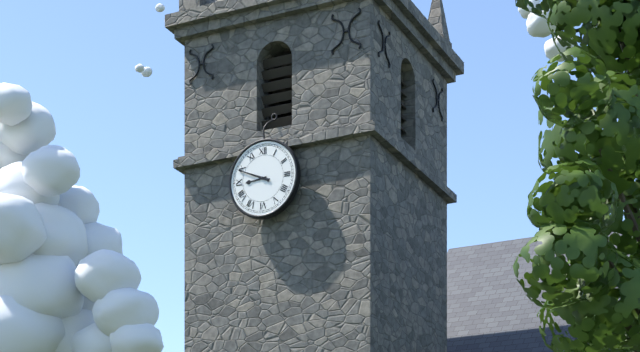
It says 8:49
